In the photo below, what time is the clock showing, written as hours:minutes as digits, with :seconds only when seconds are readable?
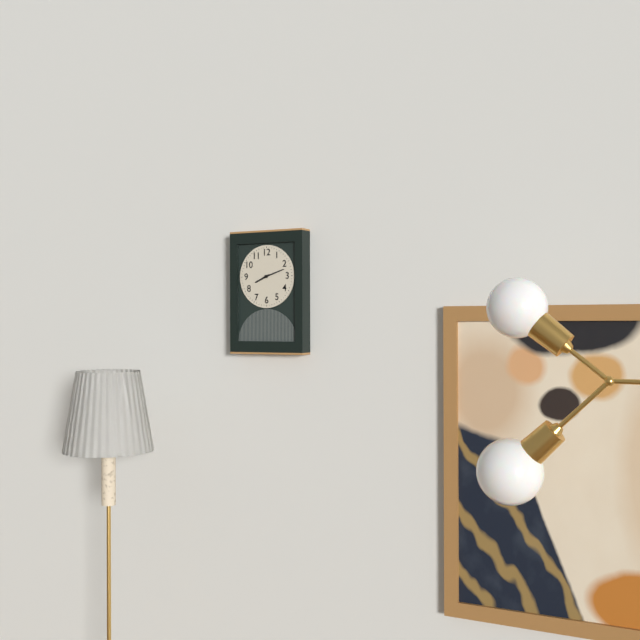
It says 8:12
